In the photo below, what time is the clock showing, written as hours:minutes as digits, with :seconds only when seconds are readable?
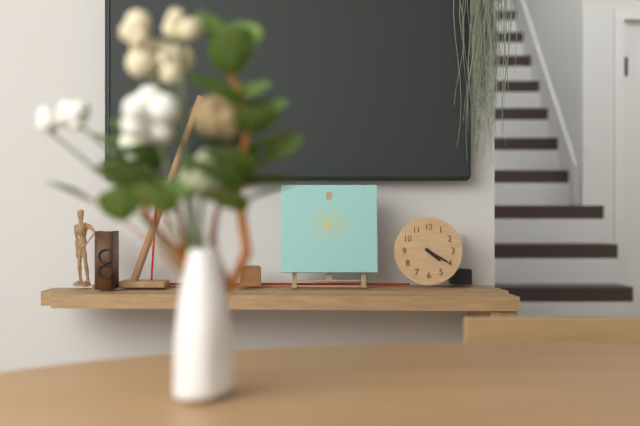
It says 4:20
